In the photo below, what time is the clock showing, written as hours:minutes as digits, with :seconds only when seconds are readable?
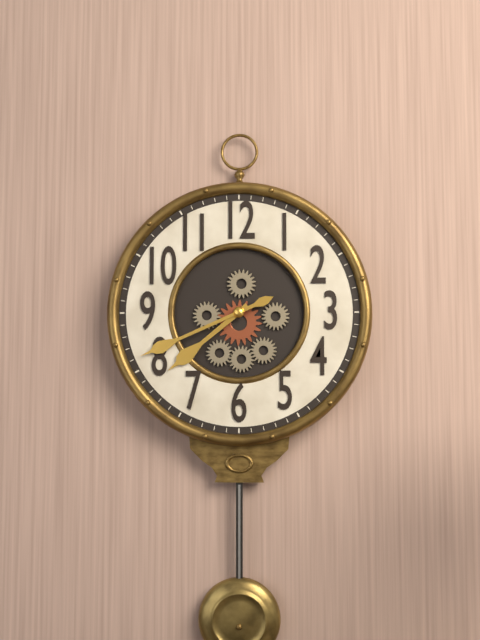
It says 7:41
